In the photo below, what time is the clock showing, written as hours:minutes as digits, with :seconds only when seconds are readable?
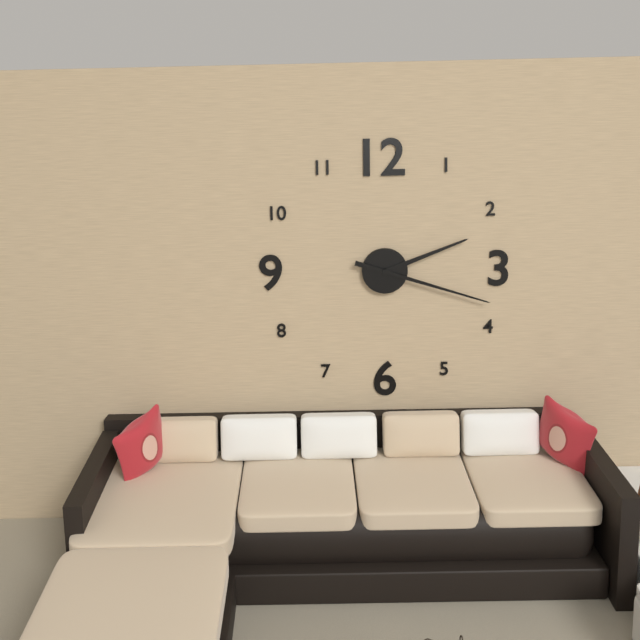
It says 2:18
